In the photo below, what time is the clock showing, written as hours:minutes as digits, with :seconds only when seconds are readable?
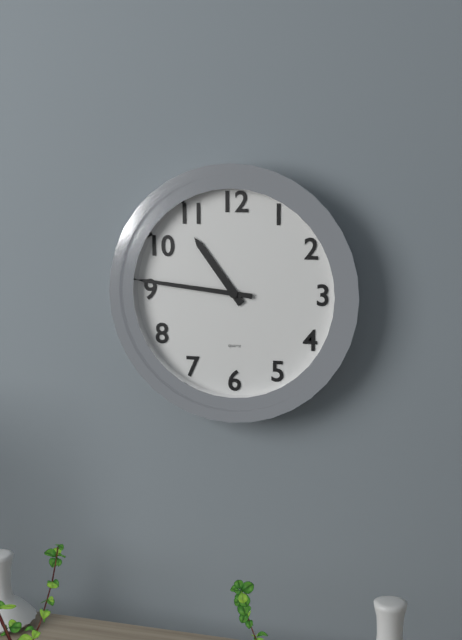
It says 10:46
